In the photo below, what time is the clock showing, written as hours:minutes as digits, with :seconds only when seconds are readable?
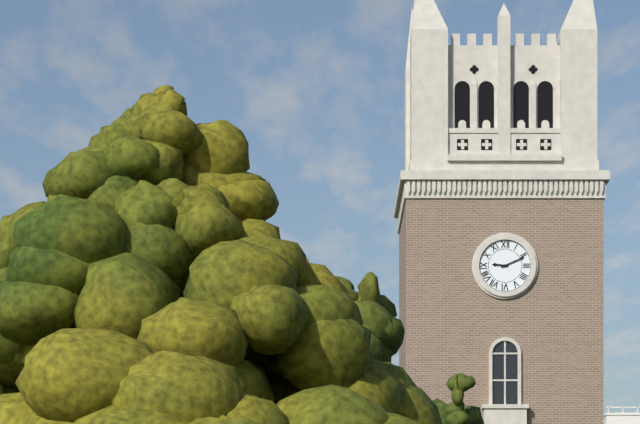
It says 9:11
